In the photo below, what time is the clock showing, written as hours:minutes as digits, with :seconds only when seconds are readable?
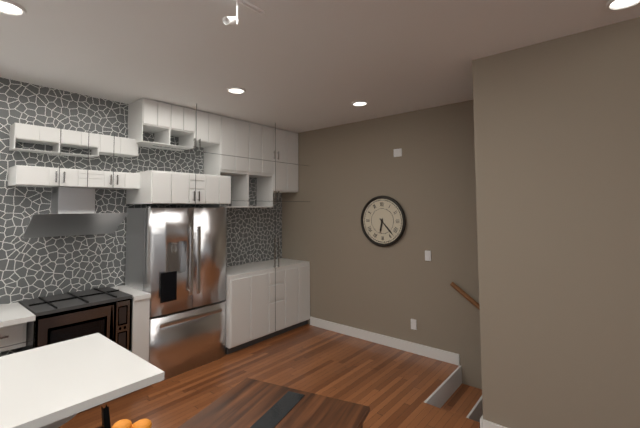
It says 6:23
